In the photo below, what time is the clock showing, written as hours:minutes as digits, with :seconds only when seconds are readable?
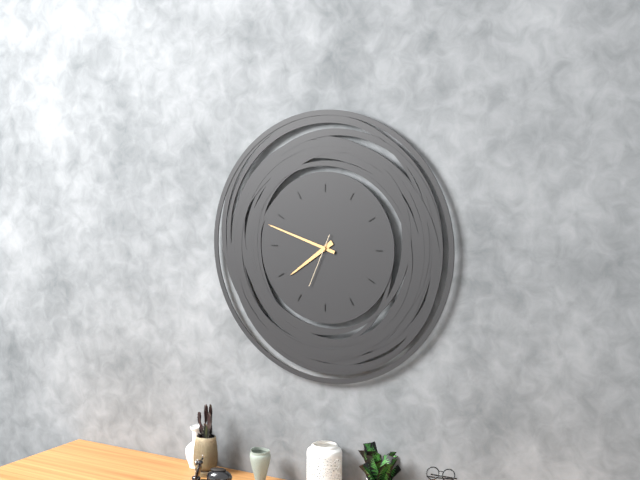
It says 7:48:34
